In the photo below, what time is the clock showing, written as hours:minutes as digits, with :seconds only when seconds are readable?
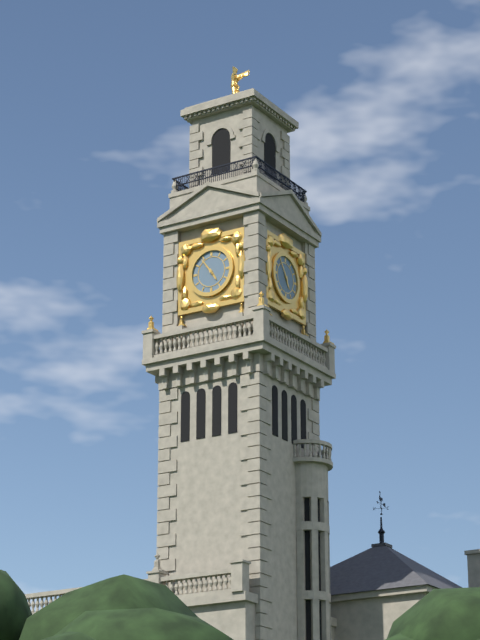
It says 4:54
